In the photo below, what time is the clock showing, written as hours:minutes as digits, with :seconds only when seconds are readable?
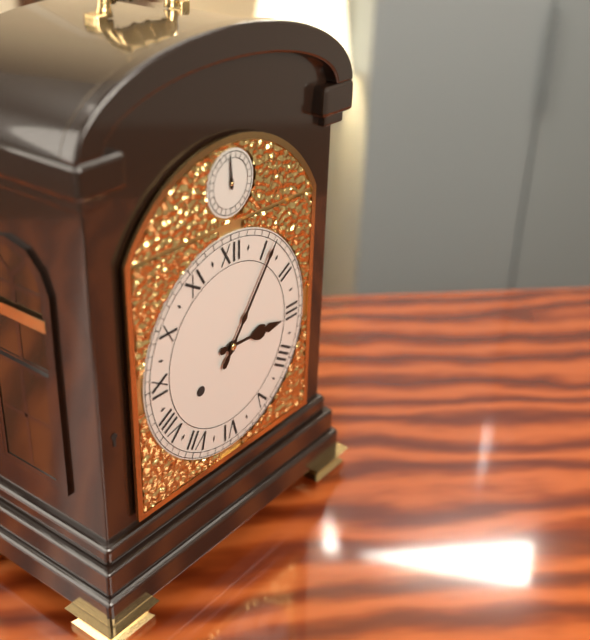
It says 3:06
